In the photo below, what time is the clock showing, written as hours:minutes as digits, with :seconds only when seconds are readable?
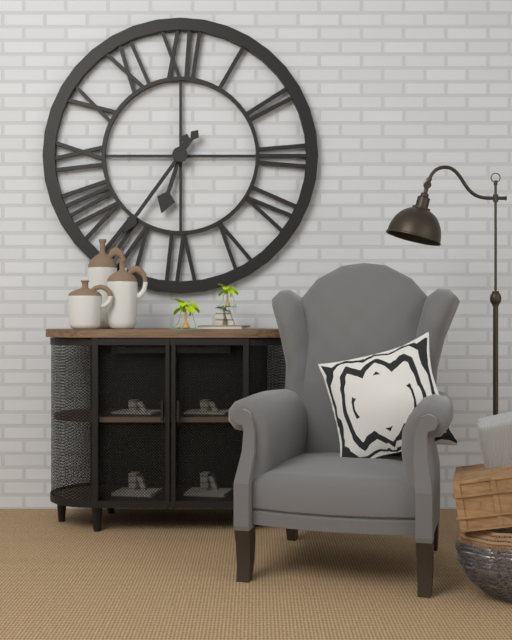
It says 6:36
